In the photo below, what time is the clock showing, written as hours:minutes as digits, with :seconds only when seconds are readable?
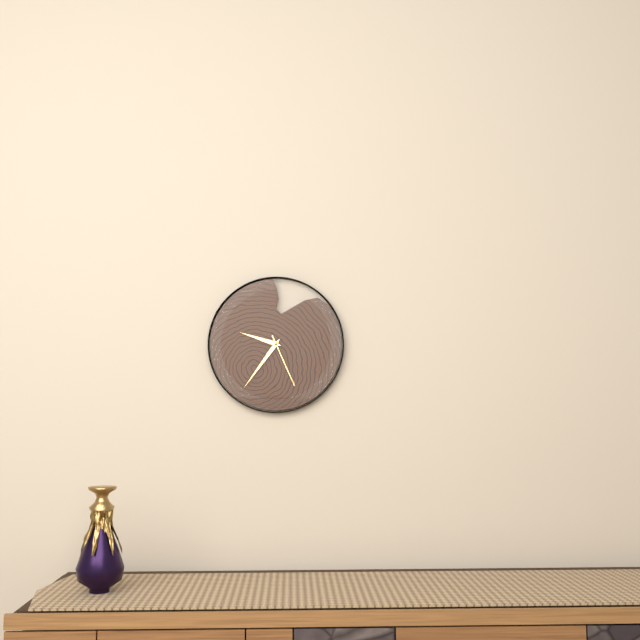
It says 9:36:26
